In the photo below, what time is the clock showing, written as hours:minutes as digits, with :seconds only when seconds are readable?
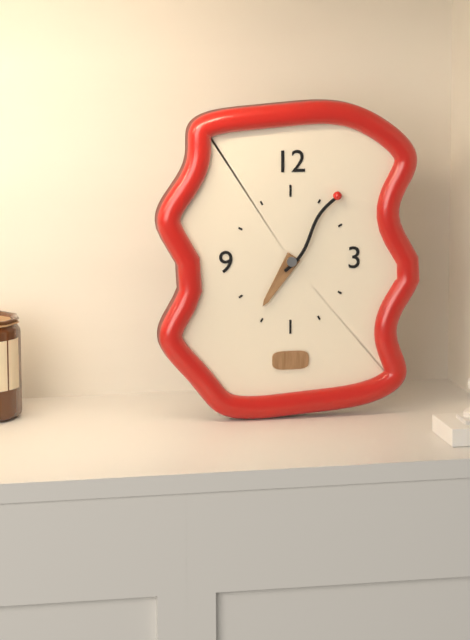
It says 7:06
